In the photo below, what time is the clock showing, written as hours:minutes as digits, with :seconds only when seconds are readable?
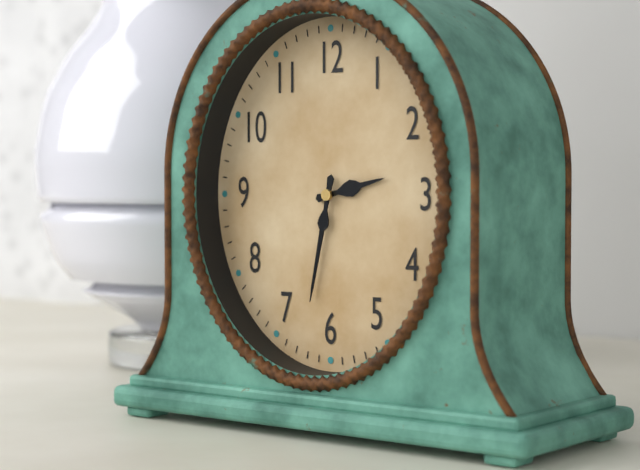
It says 2:32
